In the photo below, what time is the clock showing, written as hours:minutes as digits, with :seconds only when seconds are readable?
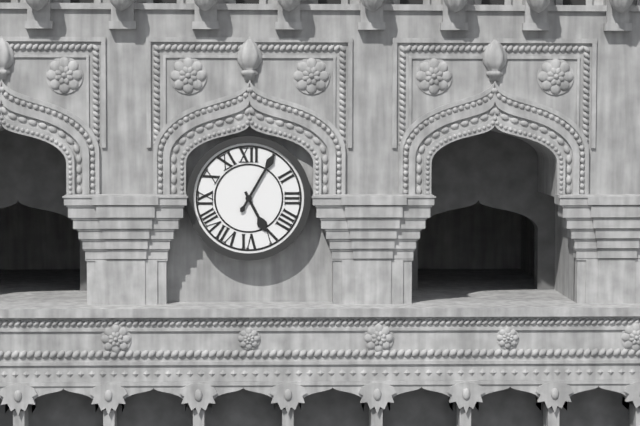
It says 5:05
